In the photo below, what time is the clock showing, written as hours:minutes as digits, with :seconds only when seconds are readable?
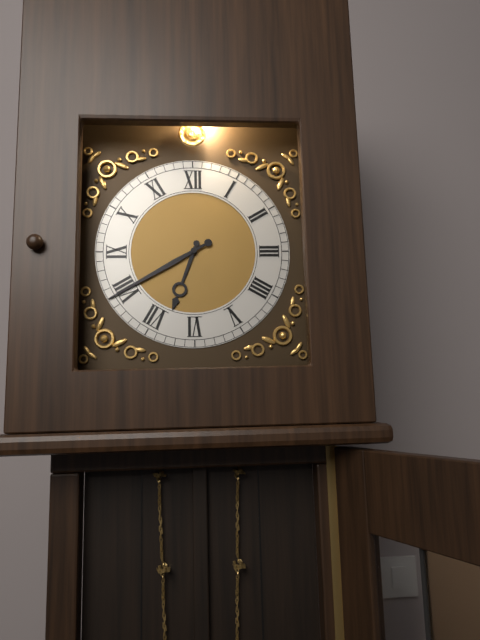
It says 6:40
